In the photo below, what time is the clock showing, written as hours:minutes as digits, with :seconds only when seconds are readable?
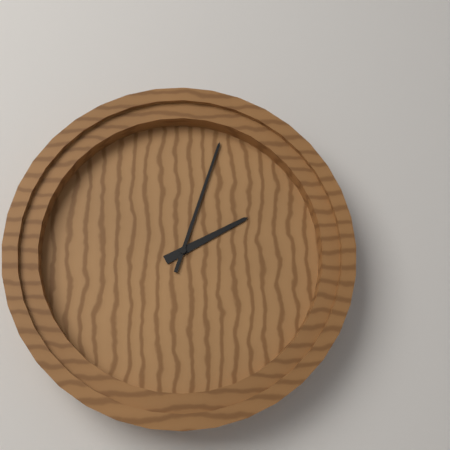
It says 2:03
